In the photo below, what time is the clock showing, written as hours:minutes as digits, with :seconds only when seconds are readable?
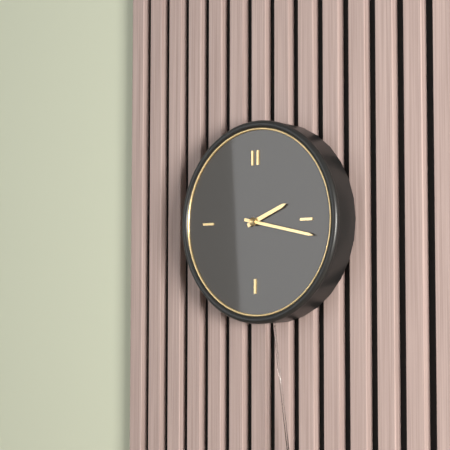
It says 2:17
